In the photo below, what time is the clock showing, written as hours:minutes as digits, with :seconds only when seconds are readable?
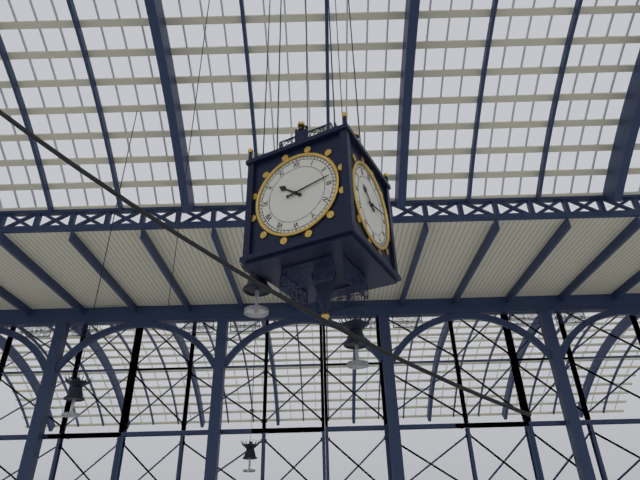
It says 10:13
